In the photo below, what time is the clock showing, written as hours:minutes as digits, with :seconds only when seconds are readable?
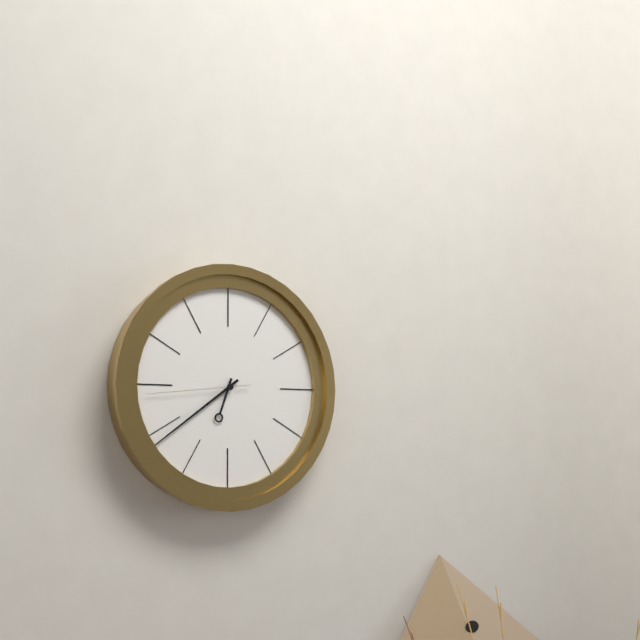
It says 6:39:44
